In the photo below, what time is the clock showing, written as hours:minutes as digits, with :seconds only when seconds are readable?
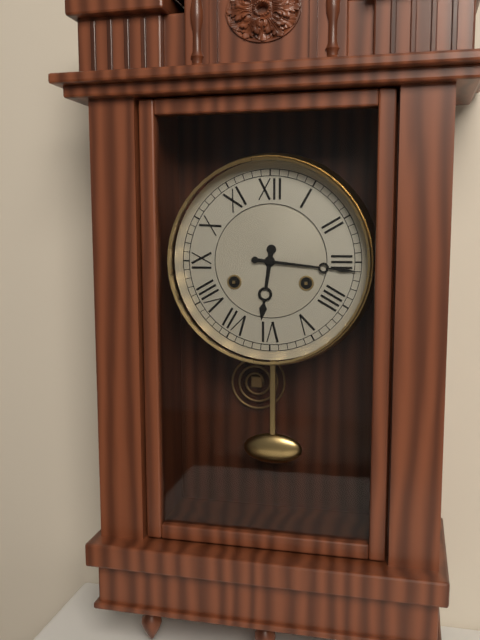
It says 6:16
